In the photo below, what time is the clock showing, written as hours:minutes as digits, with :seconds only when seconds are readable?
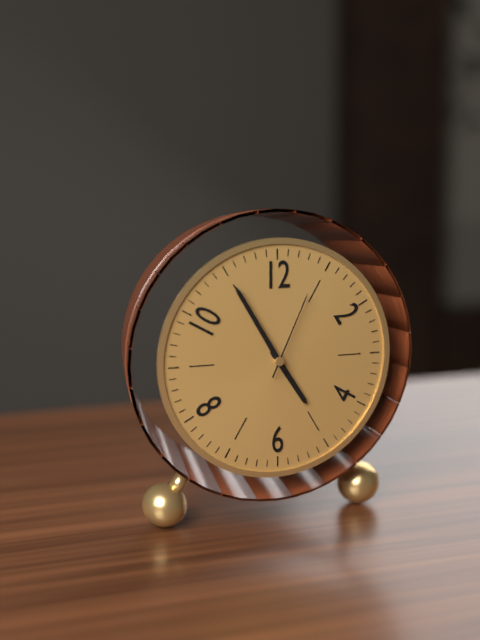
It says 4:55:04
